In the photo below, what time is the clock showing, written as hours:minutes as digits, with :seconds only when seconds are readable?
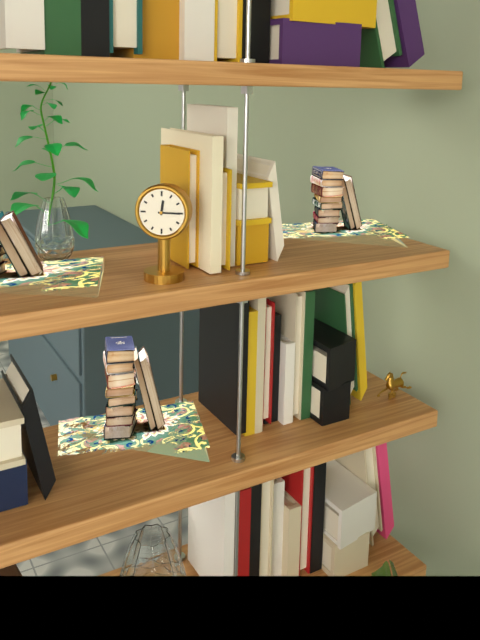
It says 12:15
